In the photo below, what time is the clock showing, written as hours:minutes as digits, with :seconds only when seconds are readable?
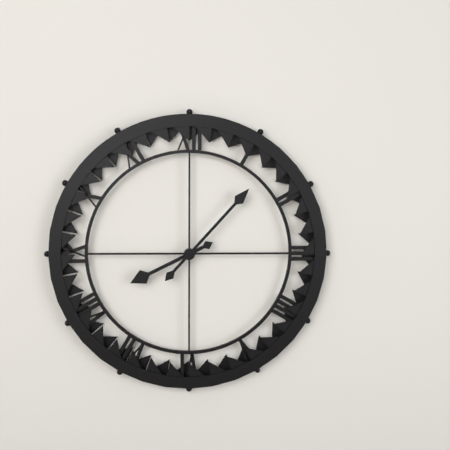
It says 8:07
